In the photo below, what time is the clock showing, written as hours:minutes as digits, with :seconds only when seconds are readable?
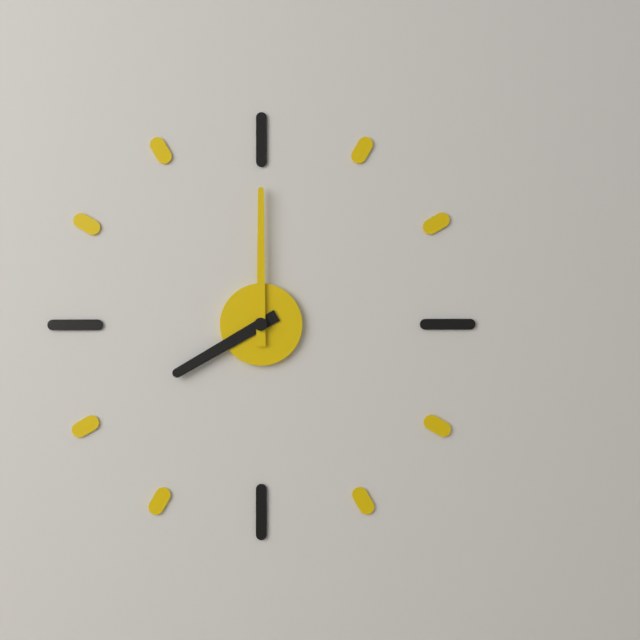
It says 8:00
